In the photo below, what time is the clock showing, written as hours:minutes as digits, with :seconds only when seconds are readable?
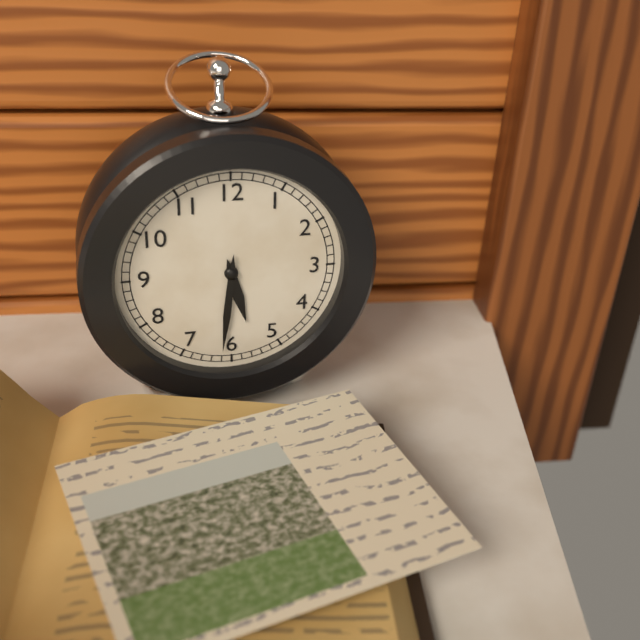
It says 5:31
